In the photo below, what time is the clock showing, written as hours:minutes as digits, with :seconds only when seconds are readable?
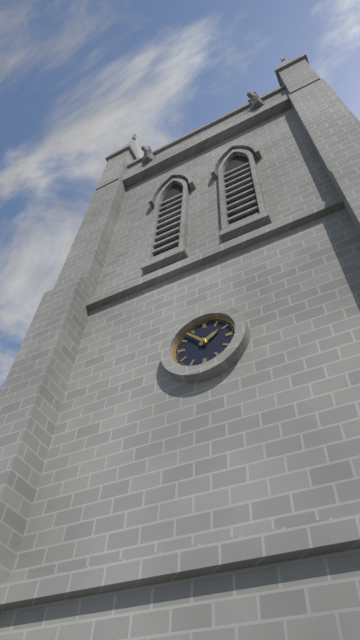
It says 1:53
